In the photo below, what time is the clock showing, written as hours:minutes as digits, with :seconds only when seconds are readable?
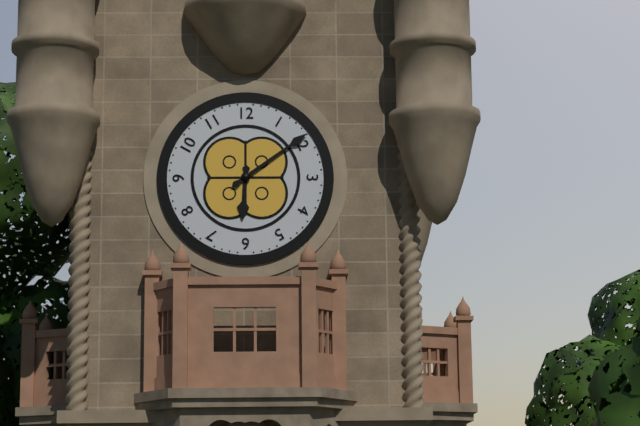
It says 6:09
